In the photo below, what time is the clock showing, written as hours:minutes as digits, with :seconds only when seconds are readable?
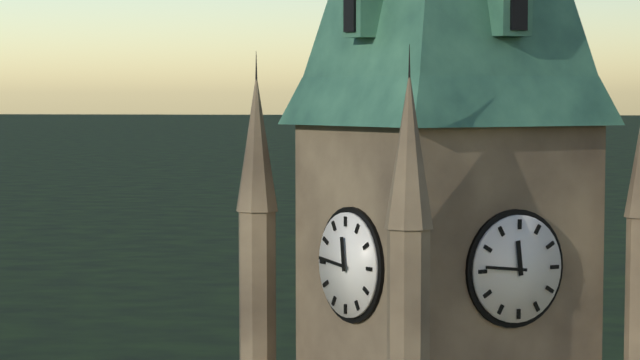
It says 11:46
